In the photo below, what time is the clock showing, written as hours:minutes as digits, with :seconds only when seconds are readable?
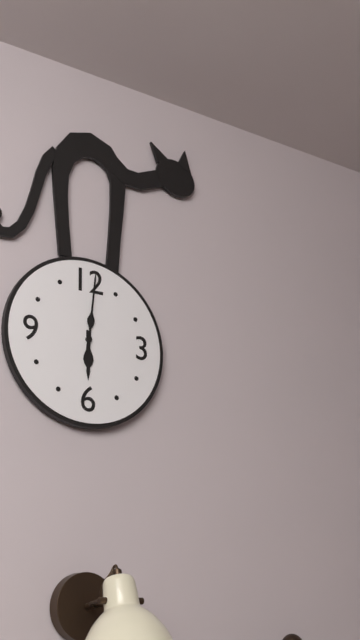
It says 6:01
